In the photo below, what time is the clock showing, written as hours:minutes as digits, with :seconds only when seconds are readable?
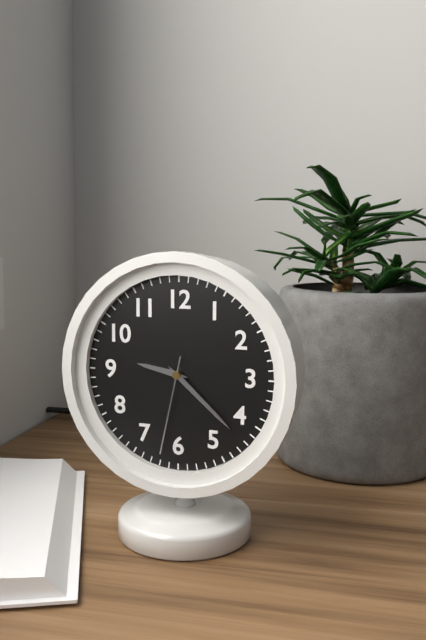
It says 9:22:32
